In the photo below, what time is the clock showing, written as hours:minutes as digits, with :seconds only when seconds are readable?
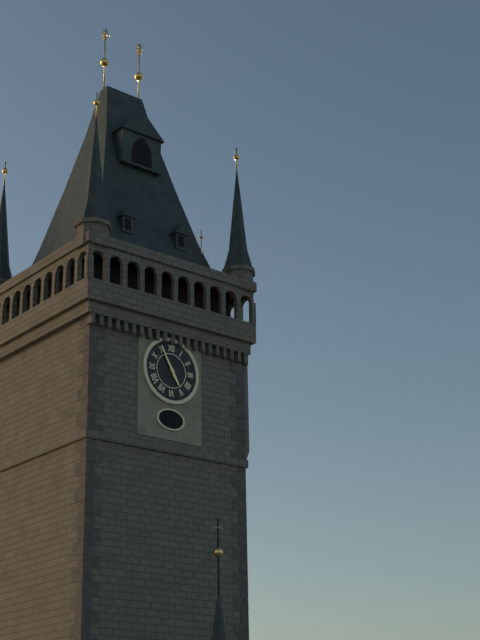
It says 4:55
